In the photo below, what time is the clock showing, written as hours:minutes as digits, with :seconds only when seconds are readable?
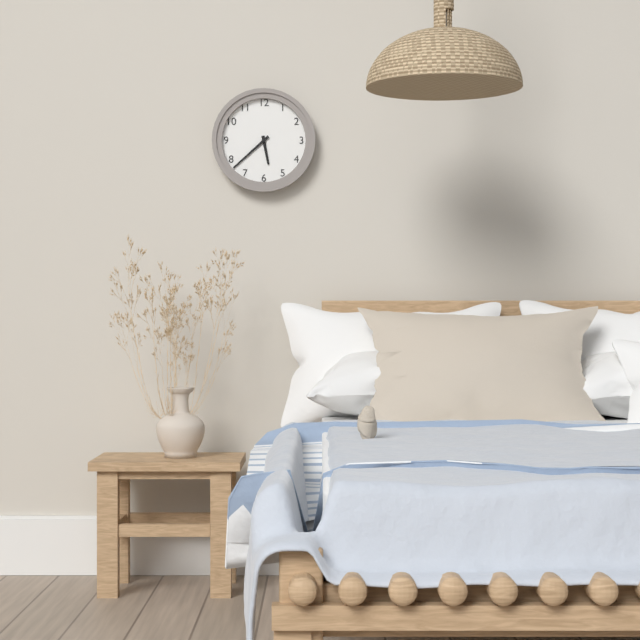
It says 5:38
